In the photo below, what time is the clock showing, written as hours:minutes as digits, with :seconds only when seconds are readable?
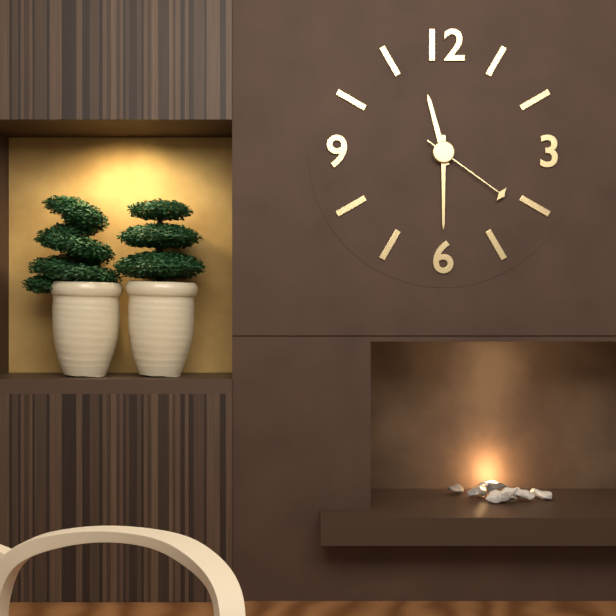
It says 11:30:21
